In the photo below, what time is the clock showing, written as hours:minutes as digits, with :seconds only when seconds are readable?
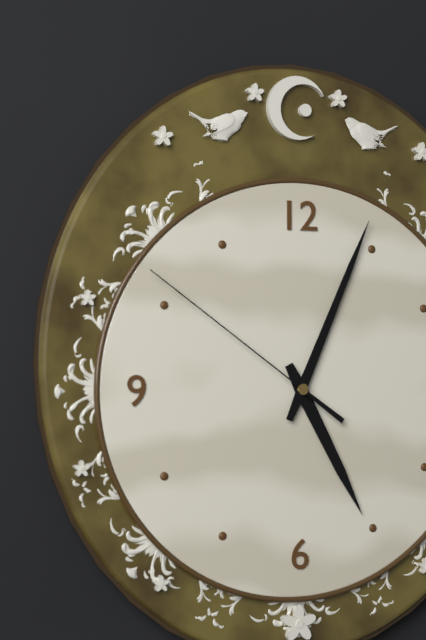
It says 5:04:51
